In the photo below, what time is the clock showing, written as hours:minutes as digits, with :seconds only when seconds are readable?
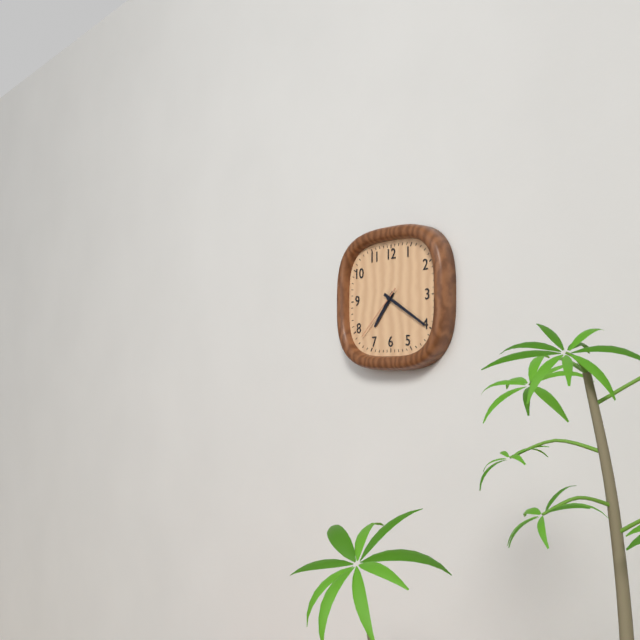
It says 7:20:38
